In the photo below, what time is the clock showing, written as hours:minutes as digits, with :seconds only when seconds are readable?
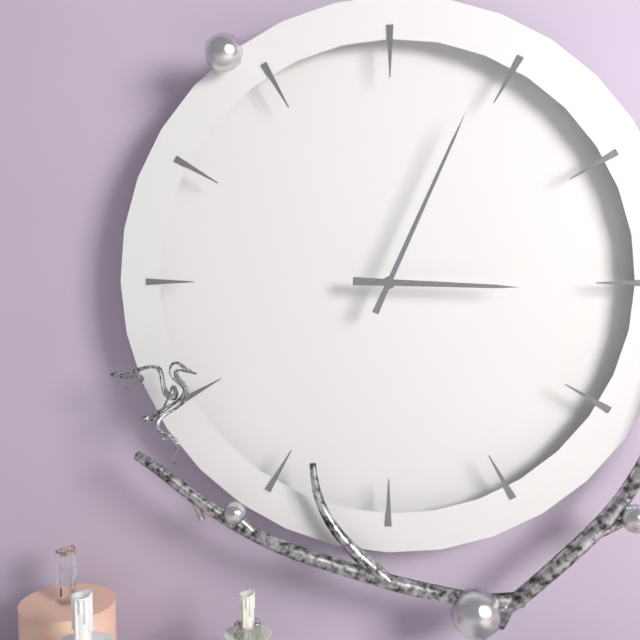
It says 3:04
